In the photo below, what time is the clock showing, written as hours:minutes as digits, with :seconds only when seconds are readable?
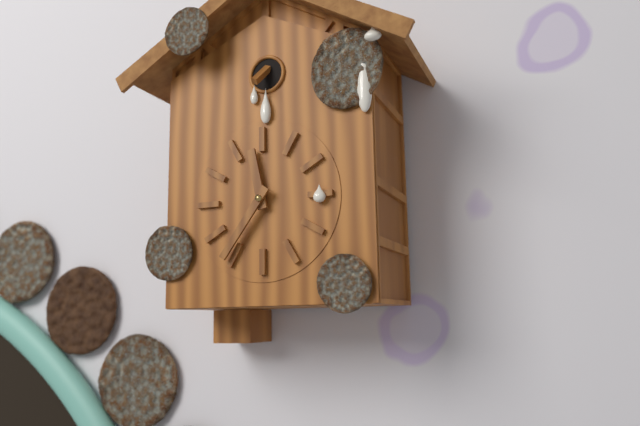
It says 11:36
